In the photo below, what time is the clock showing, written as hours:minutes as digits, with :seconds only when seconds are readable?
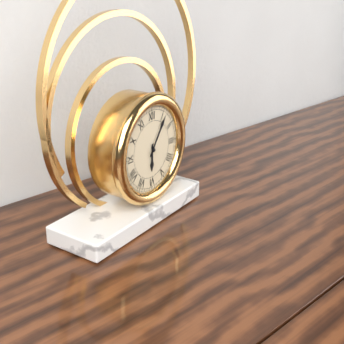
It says 6:06
